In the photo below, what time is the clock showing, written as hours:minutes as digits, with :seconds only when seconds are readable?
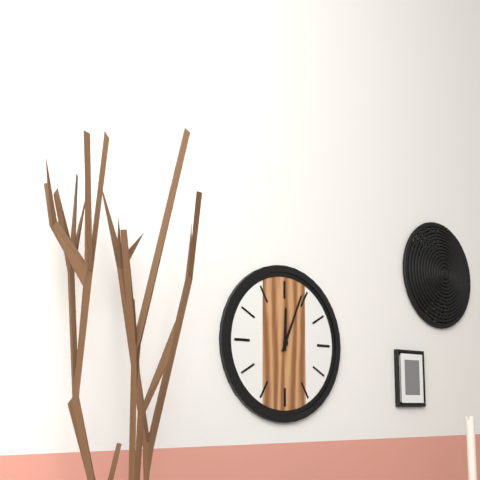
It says 12:04
